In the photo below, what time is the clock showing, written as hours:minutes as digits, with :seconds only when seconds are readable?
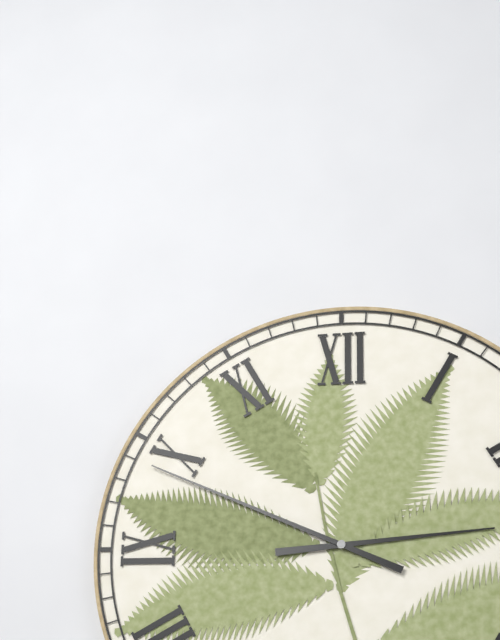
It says 2:49
